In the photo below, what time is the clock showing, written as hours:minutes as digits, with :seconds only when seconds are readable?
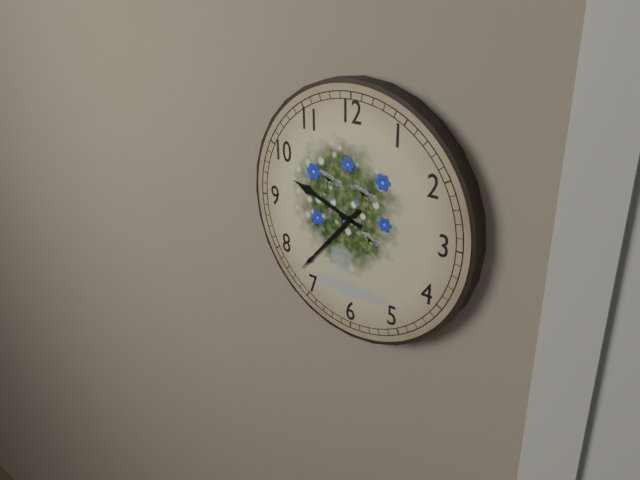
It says 9:37
